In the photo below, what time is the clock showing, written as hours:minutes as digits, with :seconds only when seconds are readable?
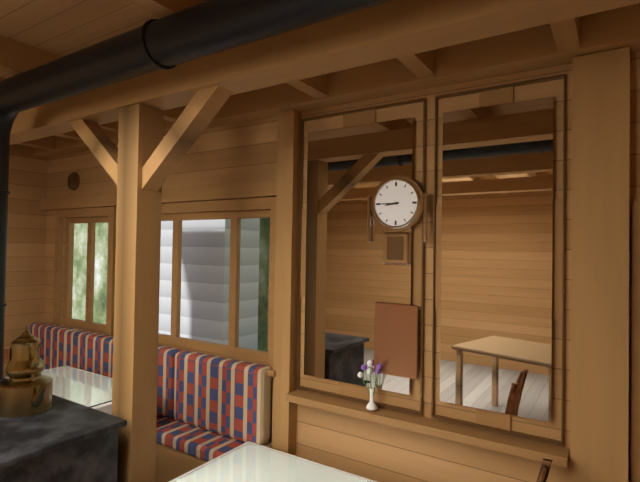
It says 8:45
